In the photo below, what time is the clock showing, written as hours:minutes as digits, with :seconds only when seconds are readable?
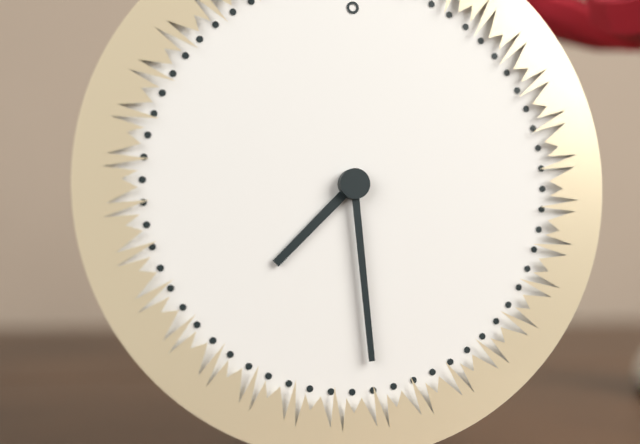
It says 7:29
